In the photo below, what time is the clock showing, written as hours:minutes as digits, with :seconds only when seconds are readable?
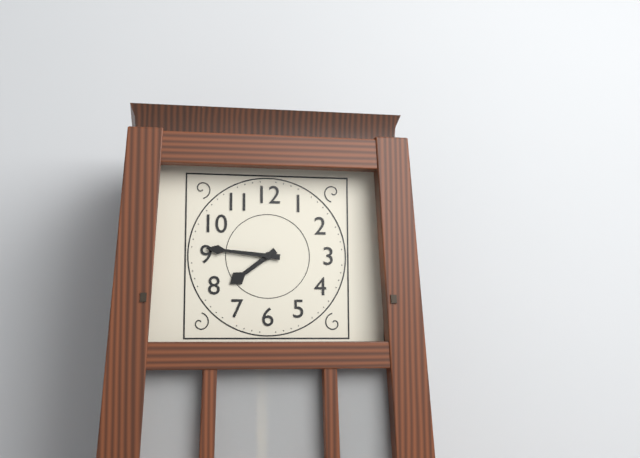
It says 7:46
